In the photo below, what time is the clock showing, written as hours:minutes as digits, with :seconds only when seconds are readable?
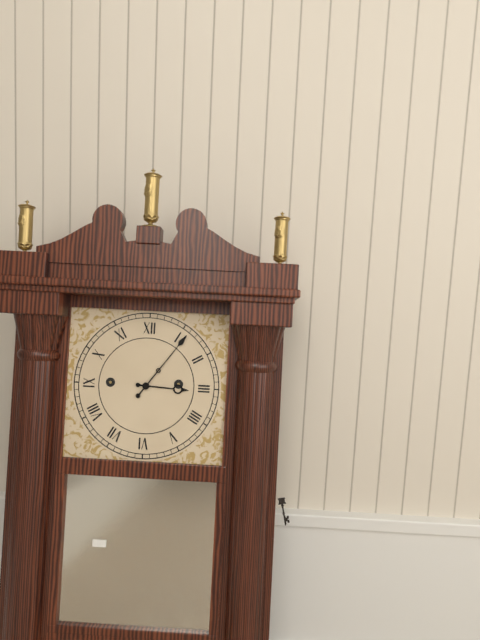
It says 3:06
